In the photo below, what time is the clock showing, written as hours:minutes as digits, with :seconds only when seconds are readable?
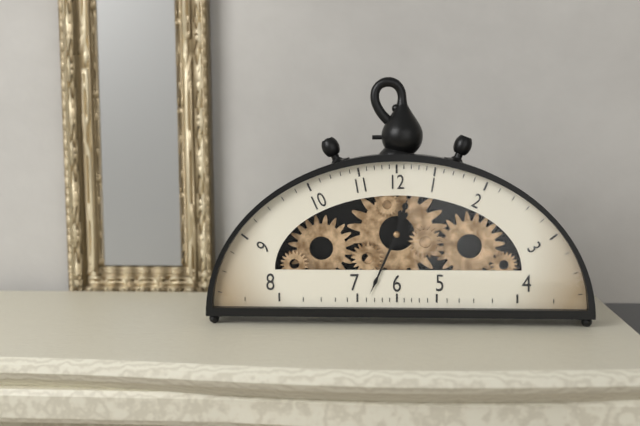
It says 12:34
